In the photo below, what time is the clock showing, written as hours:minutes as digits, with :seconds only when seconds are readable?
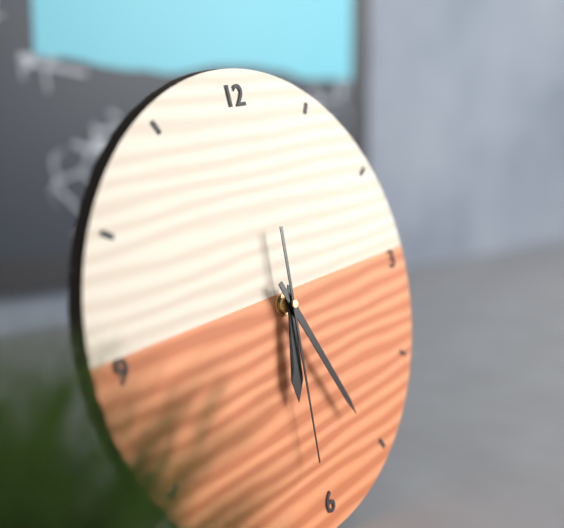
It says 6:26:31
